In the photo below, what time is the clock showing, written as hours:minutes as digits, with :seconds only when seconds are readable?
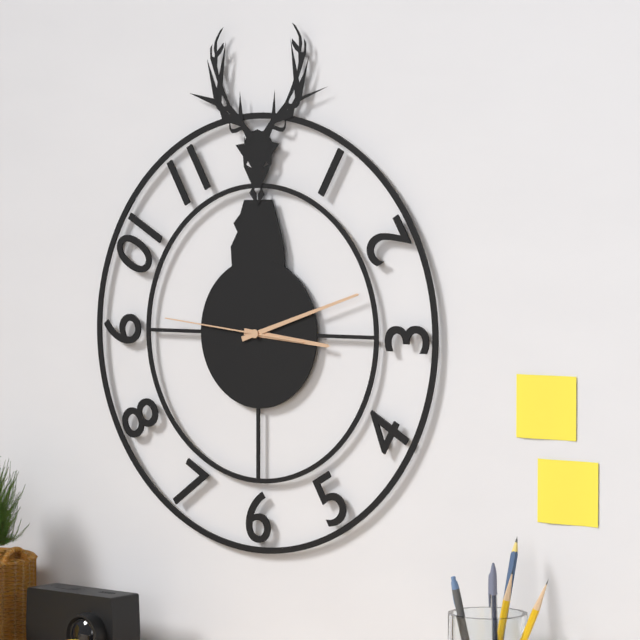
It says 3:12:46
